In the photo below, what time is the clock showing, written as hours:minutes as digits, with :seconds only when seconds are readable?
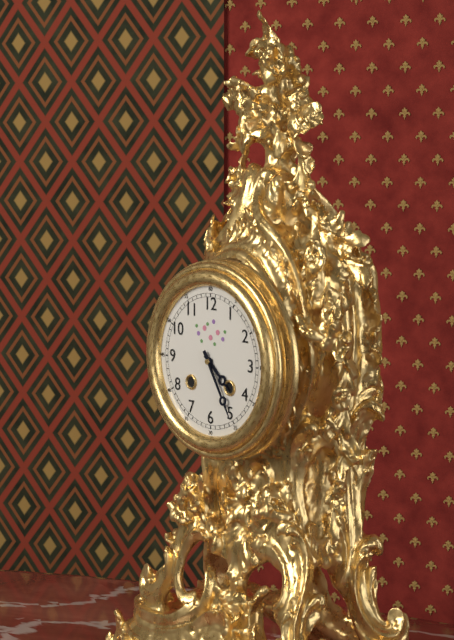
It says 4:25
